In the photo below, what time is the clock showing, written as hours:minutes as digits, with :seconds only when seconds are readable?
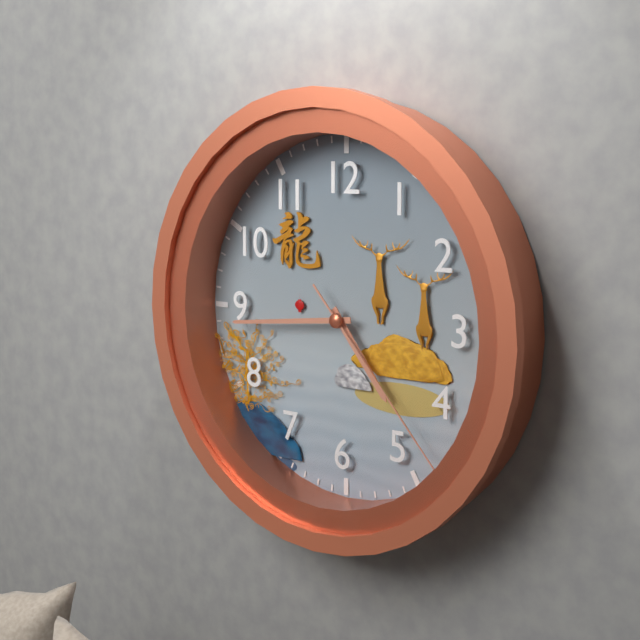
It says 4:44:23
